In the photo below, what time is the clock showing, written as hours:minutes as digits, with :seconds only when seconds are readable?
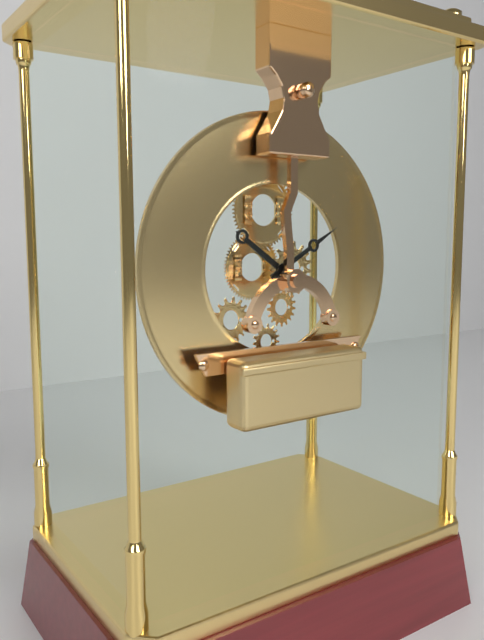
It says 10:10
